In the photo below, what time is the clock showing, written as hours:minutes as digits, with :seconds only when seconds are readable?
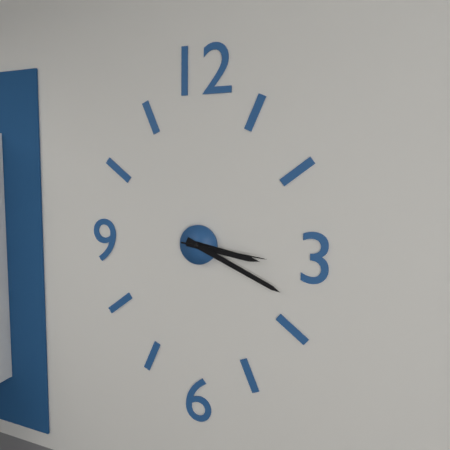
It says 3:19:16
